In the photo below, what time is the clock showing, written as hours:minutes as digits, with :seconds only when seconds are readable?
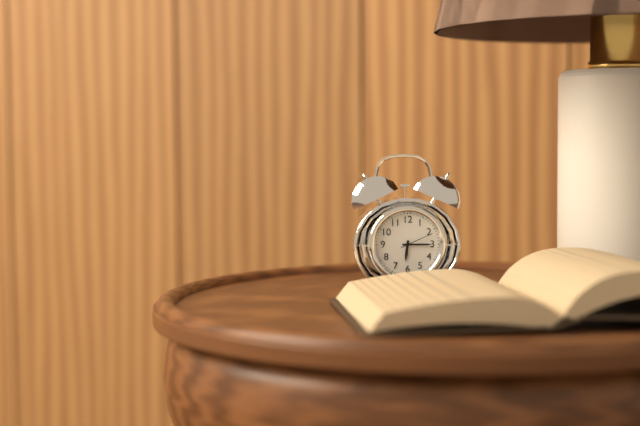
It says 6:15
